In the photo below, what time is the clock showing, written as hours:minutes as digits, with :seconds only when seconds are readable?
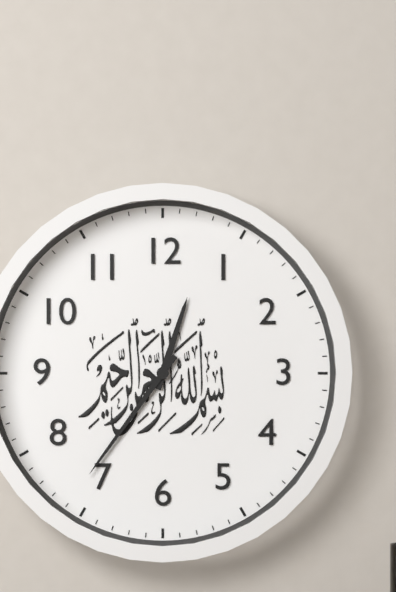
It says 12:36
